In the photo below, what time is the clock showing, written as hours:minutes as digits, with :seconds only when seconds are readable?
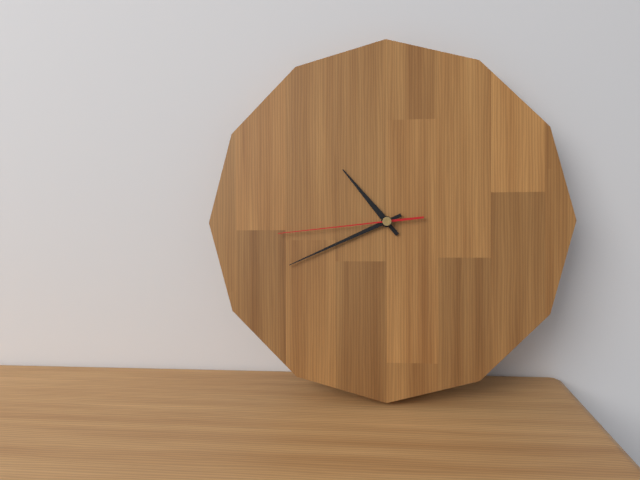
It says 10:41:44
